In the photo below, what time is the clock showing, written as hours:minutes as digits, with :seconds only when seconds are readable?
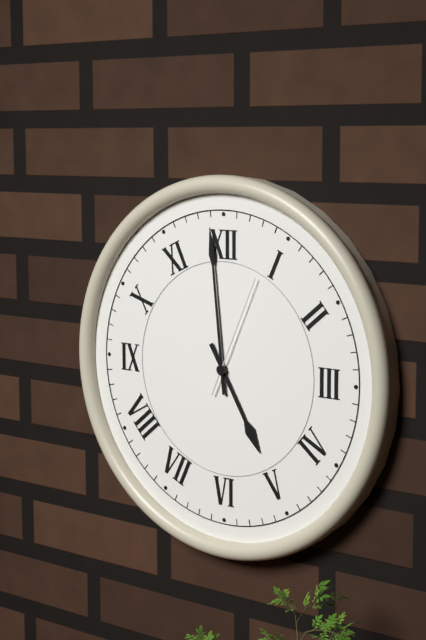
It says 4:59:04
